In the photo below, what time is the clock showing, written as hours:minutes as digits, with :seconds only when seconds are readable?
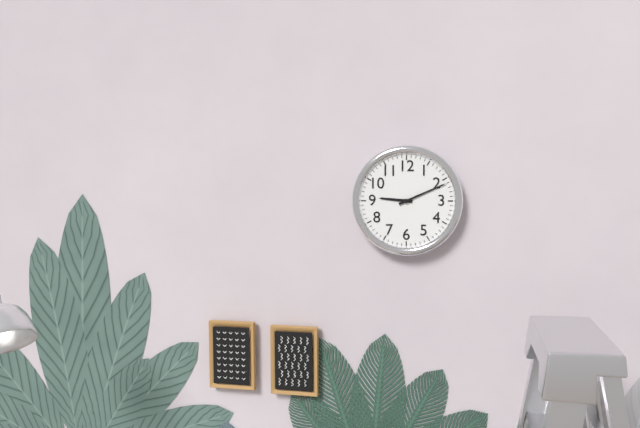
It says 9:11
